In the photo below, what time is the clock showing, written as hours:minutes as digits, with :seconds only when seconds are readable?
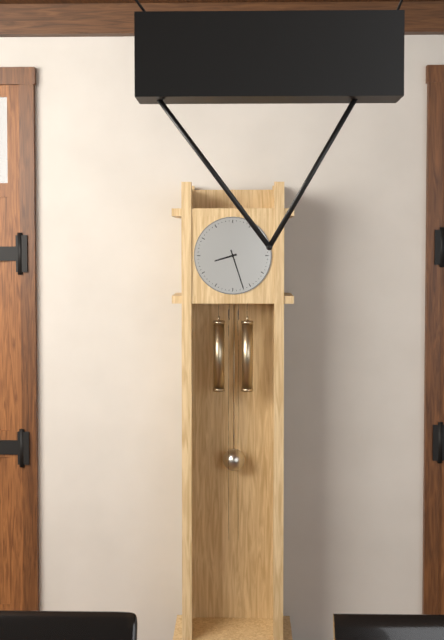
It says 8:27
